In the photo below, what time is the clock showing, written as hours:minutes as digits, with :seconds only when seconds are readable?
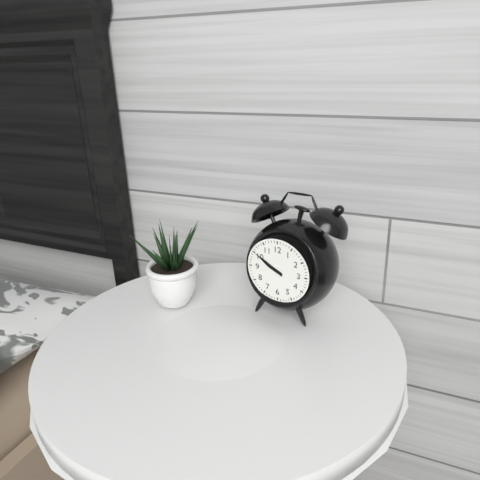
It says 9:50
